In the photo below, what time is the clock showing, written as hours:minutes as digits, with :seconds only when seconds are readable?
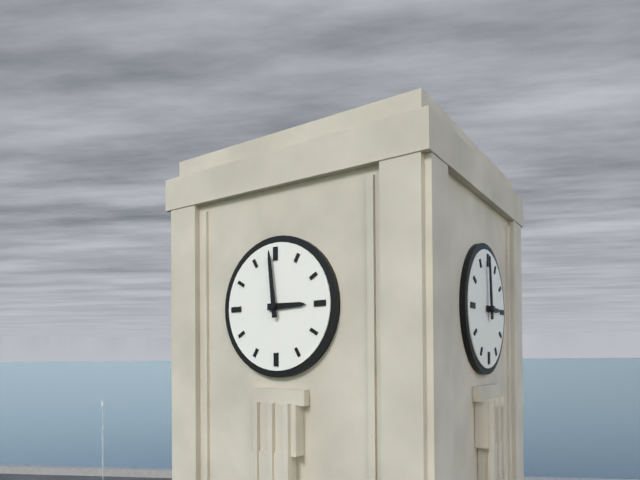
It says 2:59
